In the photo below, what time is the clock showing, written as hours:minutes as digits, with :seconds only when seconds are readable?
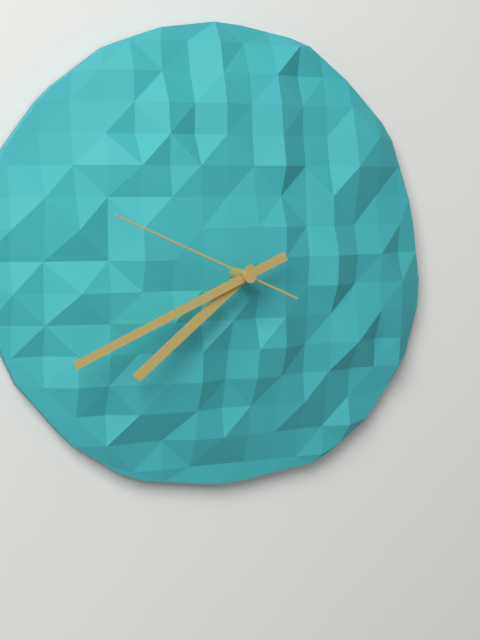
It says 7:41:49
